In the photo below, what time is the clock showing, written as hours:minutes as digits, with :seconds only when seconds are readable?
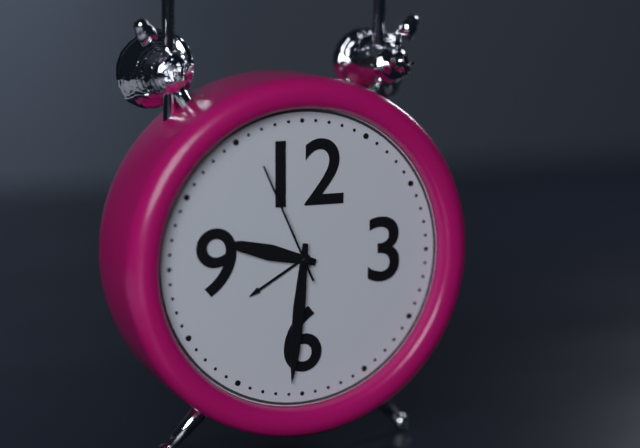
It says 9:31:56
